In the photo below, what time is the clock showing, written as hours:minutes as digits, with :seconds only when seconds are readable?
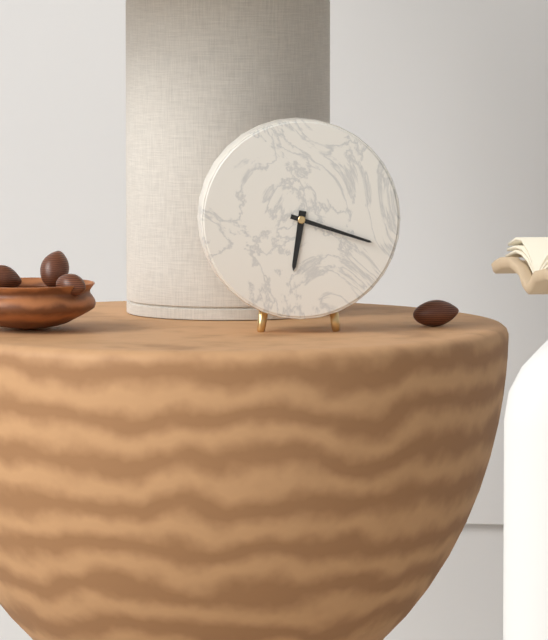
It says 6:18
